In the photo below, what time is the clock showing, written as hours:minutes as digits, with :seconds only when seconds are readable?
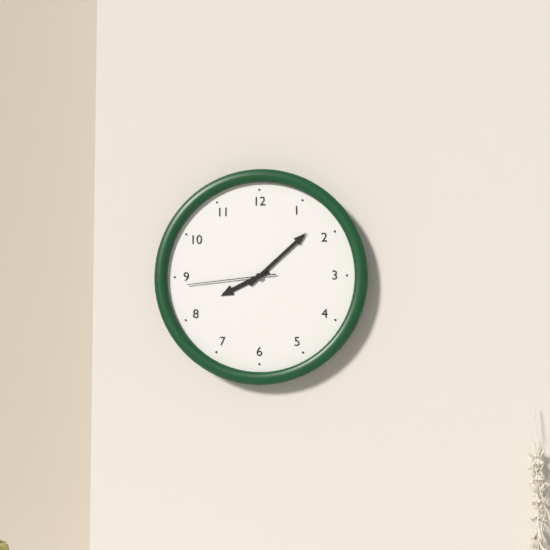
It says 8:08:44
